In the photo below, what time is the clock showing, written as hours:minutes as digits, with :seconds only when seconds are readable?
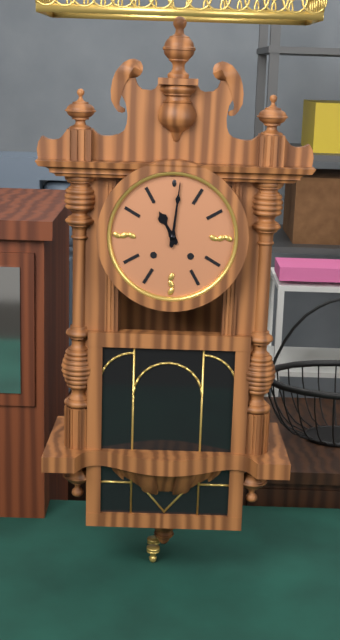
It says 11:01
